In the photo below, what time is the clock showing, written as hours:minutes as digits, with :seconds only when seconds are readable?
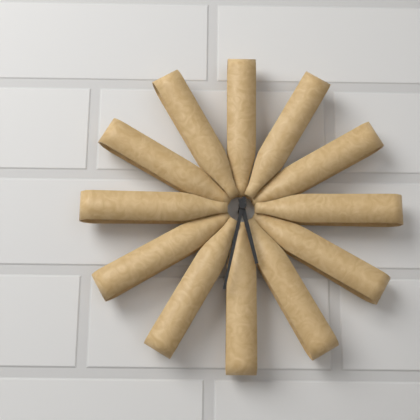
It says 5:32
